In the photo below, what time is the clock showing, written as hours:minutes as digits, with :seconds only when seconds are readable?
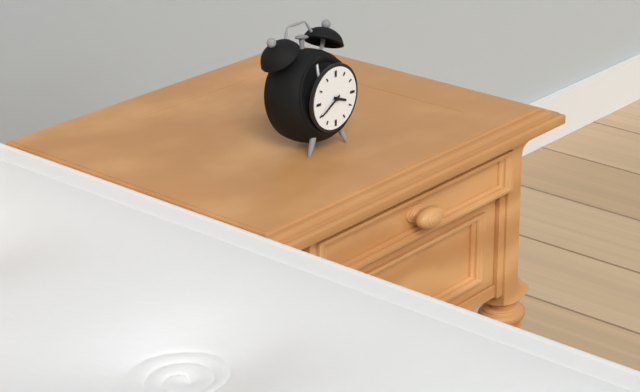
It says 3:40
